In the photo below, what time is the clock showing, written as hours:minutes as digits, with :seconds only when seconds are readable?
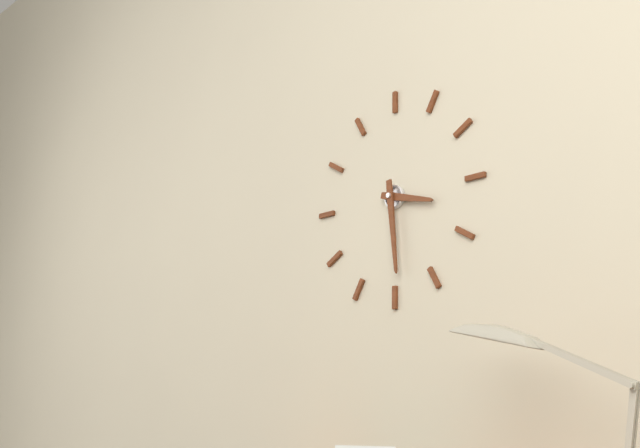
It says 3:29
